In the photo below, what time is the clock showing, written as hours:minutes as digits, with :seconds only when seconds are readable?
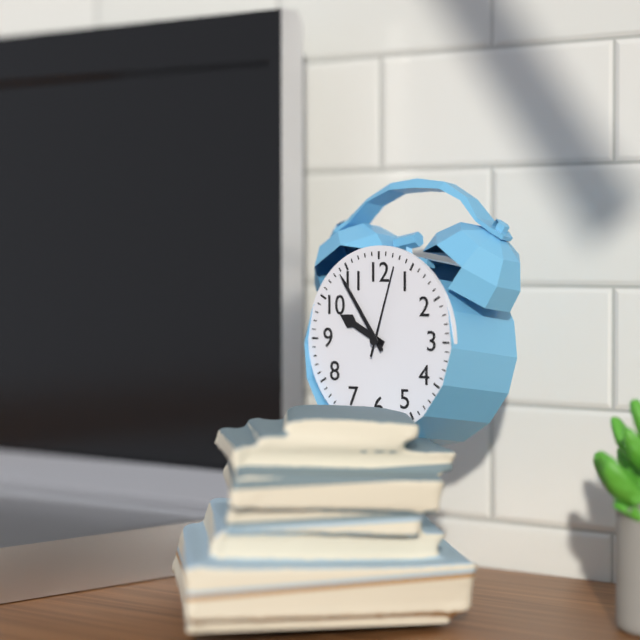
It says 9:54:03
